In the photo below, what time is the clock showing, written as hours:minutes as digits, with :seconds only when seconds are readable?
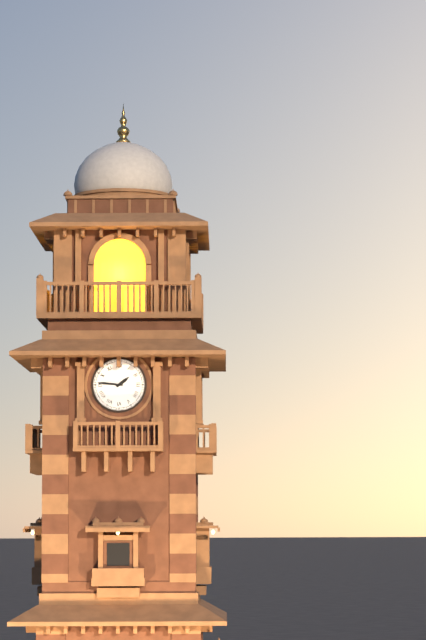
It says 1:46
